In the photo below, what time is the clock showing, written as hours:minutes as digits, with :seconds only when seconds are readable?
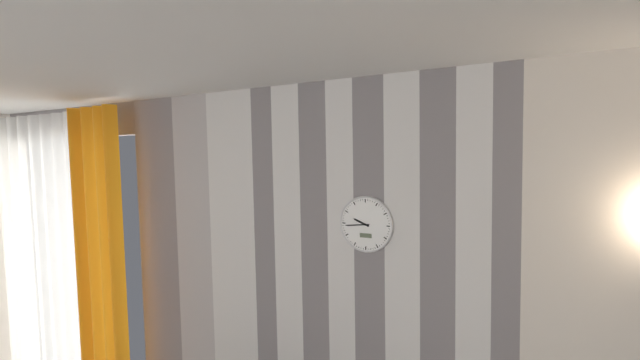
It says 9:44
